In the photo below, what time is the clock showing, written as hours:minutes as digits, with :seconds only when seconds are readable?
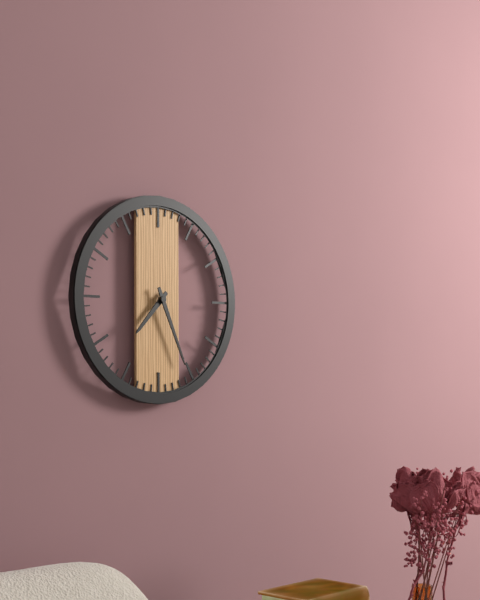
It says 7:26
